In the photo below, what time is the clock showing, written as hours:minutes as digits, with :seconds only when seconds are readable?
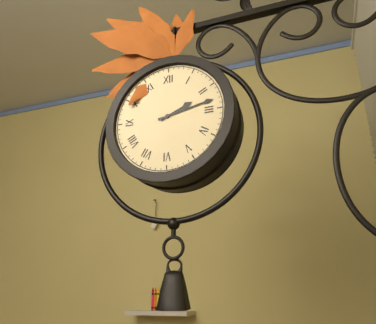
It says 2:13
